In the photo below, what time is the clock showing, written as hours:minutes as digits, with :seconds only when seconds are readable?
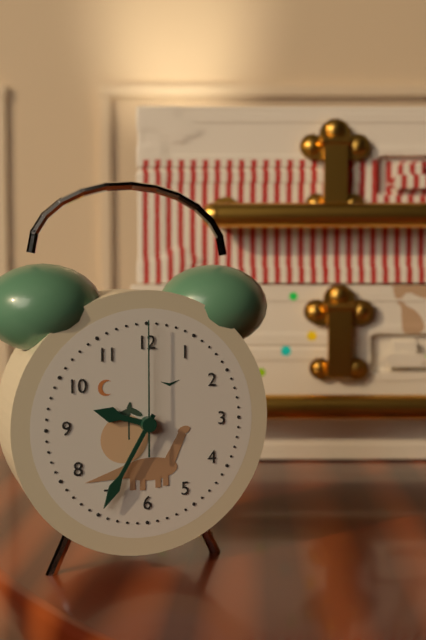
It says 9:35:00
